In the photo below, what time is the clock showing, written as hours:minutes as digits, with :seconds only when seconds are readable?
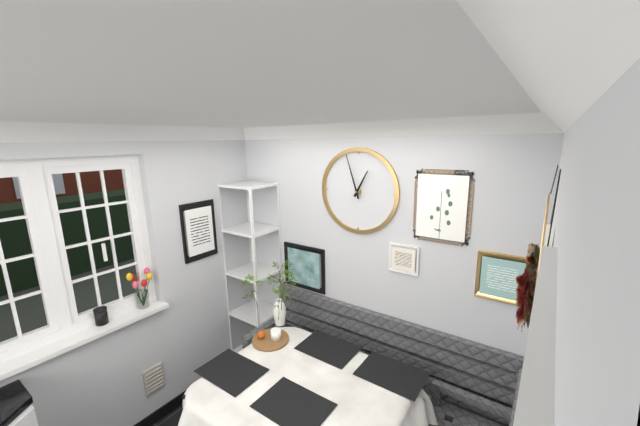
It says 12:57
